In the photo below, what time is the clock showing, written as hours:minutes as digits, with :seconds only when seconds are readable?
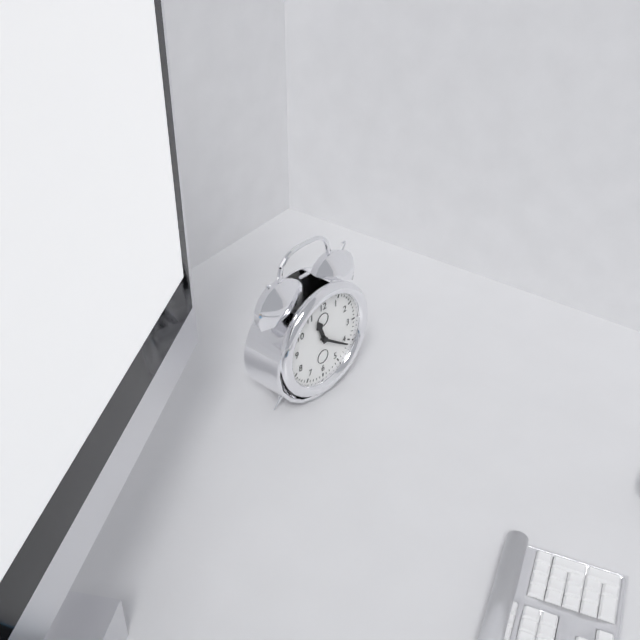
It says 11:21
